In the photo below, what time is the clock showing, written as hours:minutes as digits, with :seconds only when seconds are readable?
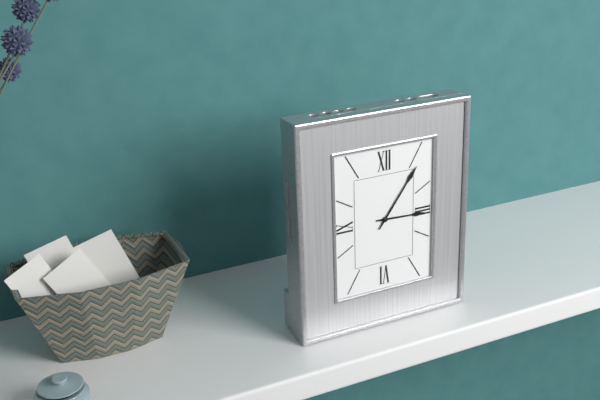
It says 3:06
